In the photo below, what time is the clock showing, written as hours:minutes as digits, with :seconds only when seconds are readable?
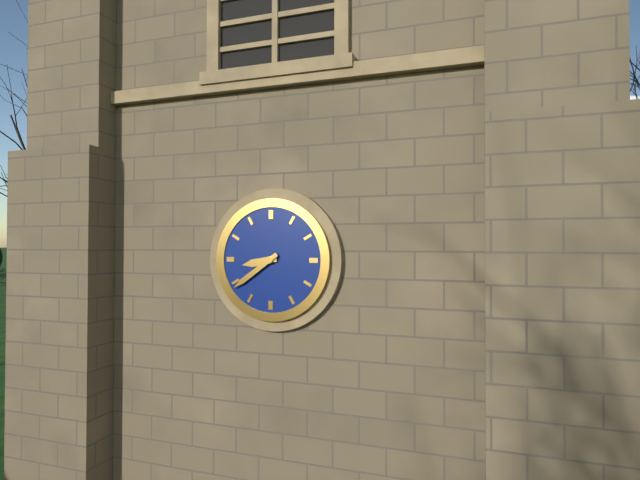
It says 8:39
